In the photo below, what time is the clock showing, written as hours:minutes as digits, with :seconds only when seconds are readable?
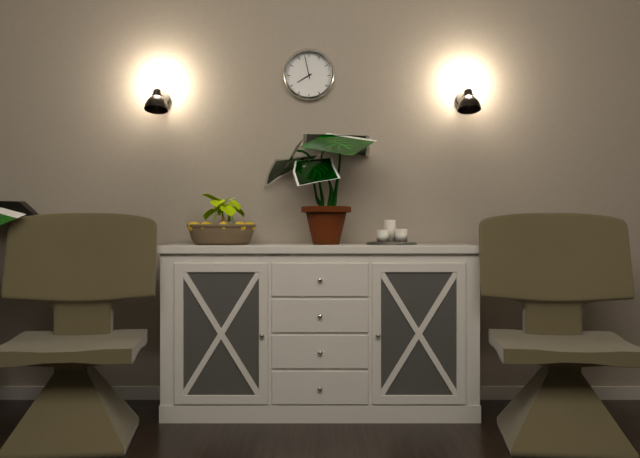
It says 7:58
